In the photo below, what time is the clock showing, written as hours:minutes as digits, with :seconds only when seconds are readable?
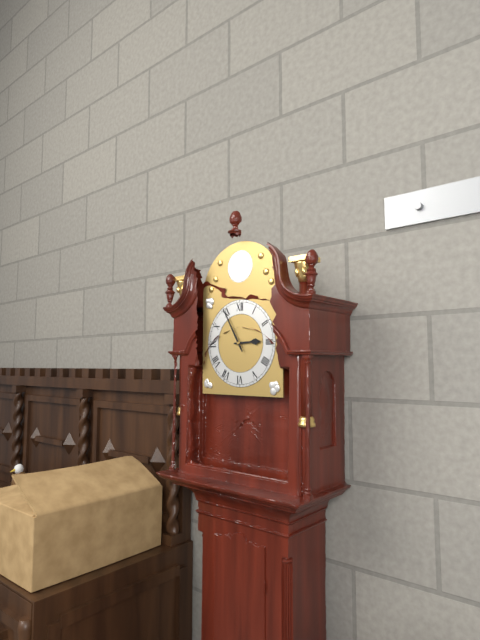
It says 2:55
